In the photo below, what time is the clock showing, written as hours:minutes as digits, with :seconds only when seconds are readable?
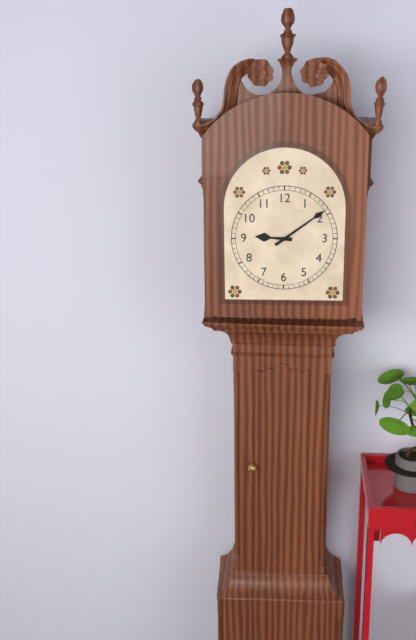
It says 9:09
